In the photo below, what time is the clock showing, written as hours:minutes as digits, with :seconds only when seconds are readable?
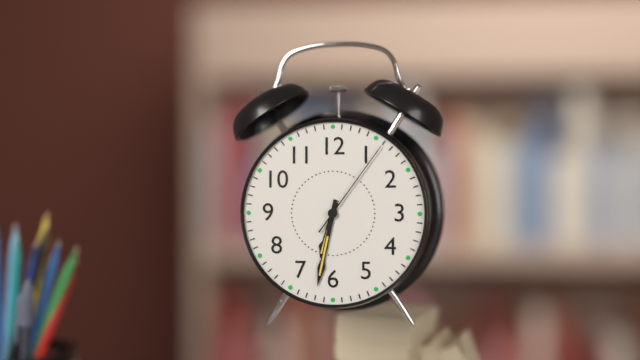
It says 6:32:06
